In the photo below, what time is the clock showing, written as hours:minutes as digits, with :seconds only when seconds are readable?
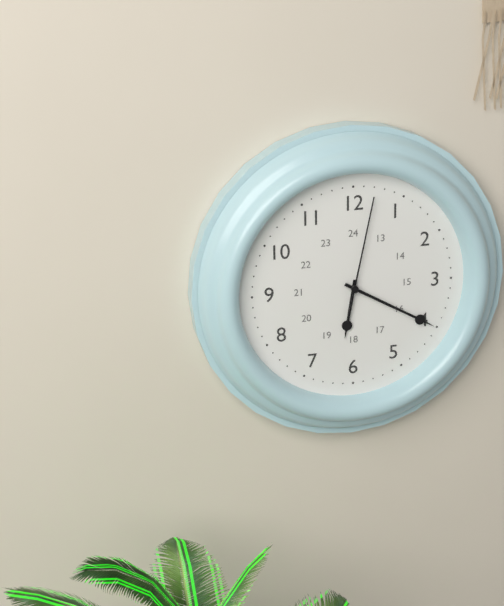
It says 6:20:02
